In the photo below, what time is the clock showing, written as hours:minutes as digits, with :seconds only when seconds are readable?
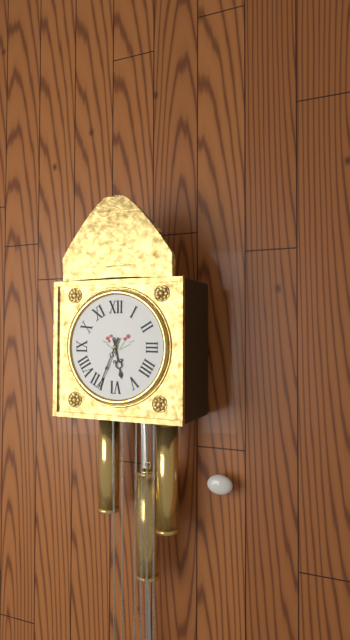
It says 5:34
